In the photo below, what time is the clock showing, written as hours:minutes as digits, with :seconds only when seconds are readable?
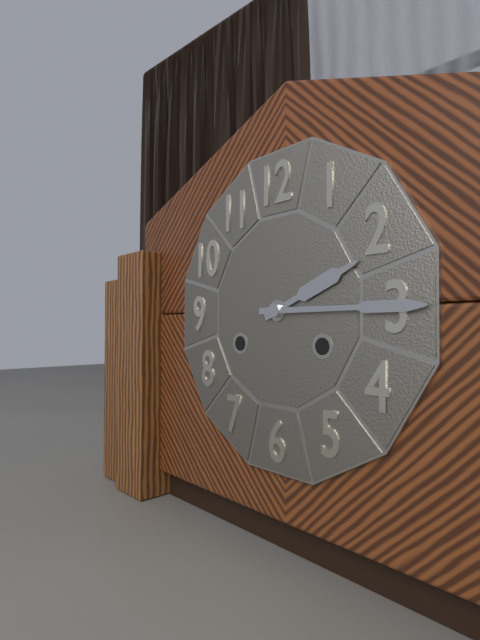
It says 2:15
